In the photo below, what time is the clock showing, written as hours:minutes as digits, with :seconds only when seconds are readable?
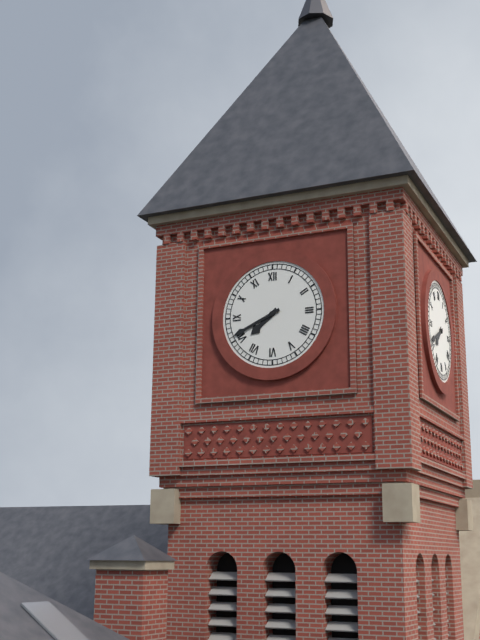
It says 7:41
